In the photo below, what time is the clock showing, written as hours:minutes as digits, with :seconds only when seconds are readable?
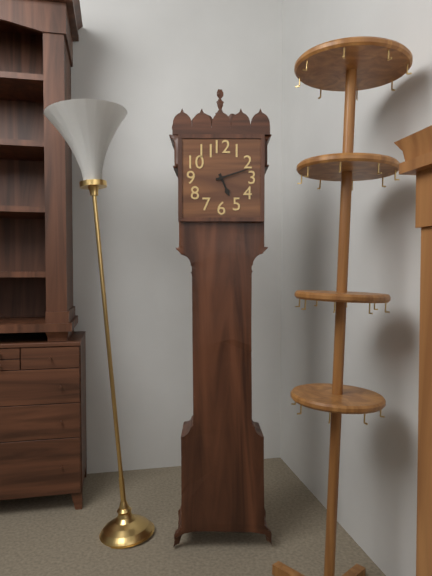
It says 5:12
